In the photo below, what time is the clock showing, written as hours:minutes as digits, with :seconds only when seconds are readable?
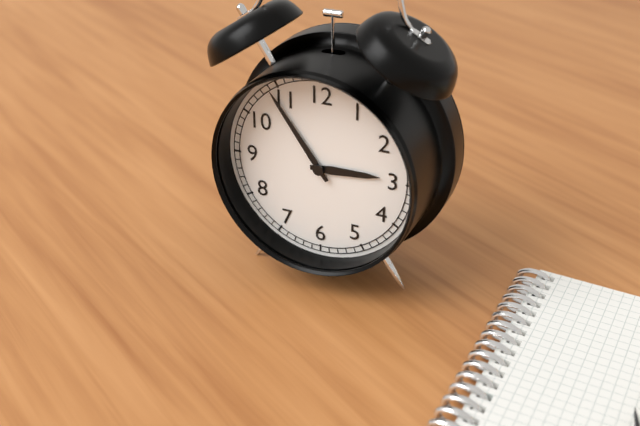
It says 2:54
